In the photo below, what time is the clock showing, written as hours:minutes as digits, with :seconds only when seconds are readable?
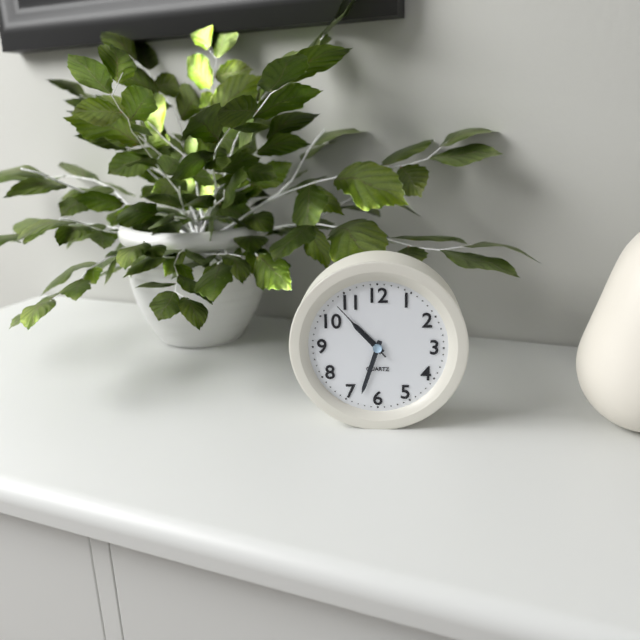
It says 10:33:53
